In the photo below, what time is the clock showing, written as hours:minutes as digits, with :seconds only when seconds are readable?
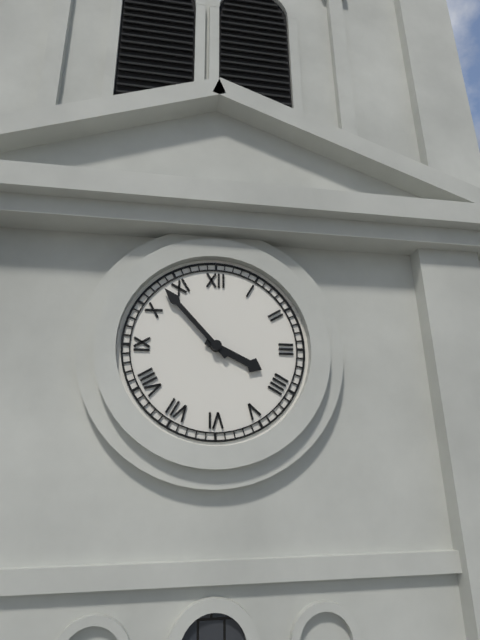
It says 3:53
